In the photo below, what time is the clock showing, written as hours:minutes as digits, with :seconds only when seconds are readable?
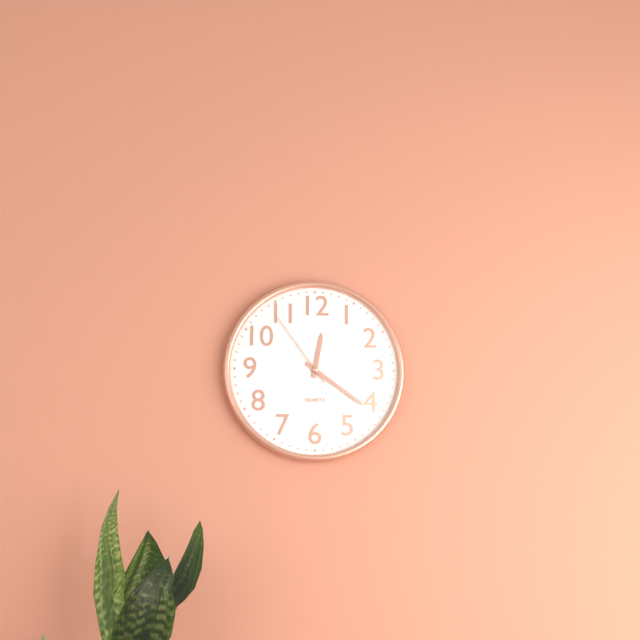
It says 12:21:54
